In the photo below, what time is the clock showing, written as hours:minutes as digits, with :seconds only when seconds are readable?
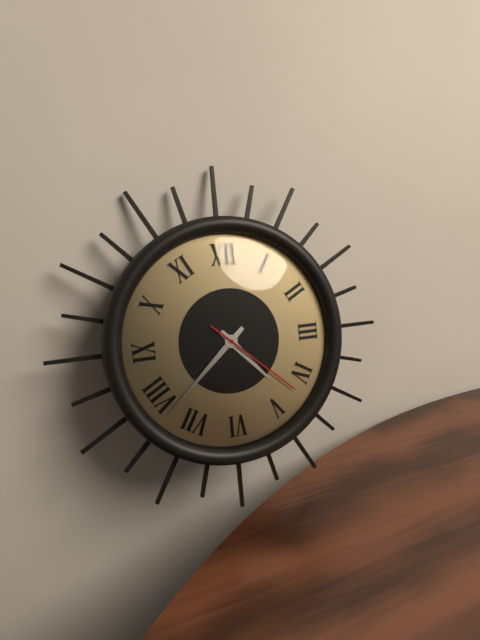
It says 4:38:22
